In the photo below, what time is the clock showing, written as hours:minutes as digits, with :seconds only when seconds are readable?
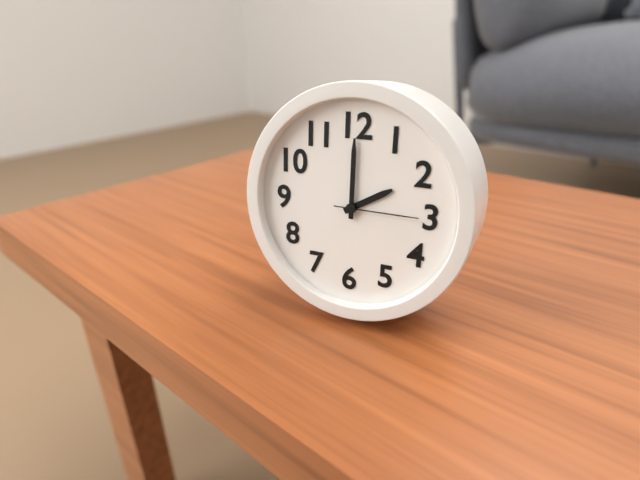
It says 2:00:15
